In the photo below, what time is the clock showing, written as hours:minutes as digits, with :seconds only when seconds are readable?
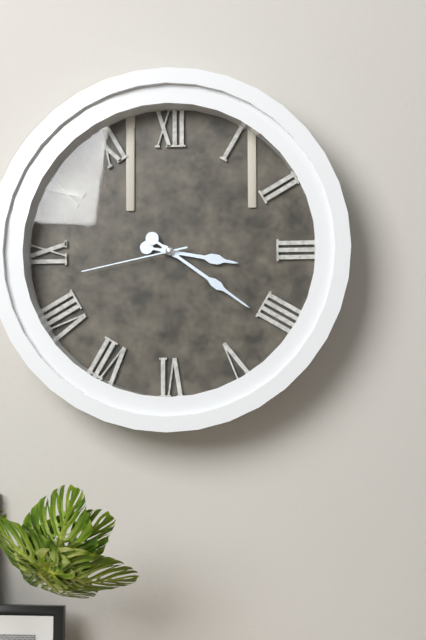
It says 3:21:43
